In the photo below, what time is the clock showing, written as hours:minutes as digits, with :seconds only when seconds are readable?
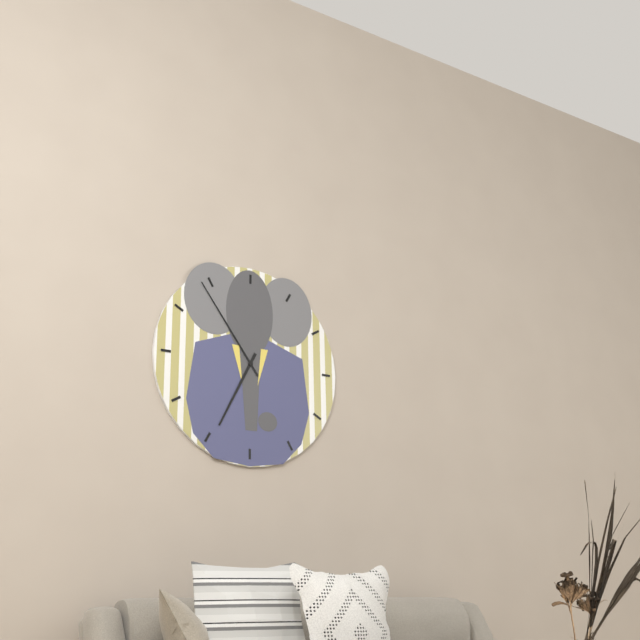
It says 6:54
